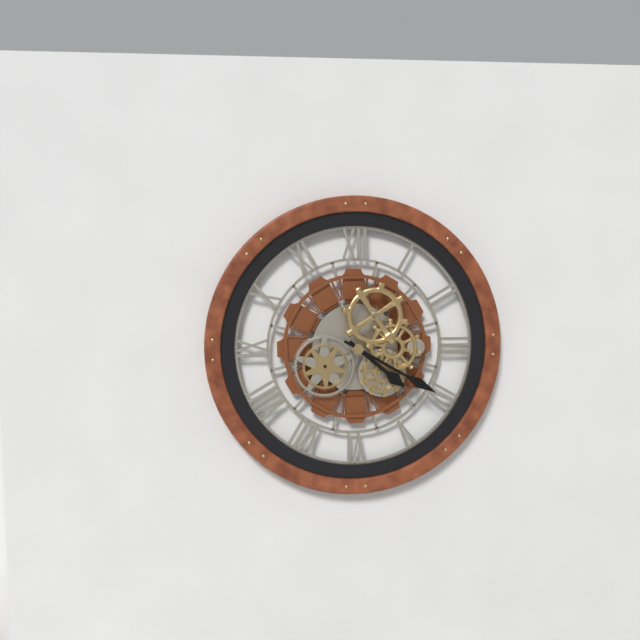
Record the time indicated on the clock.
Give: 4:20
